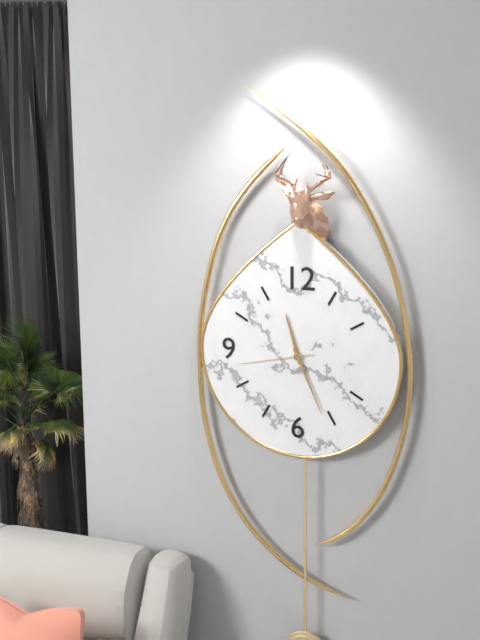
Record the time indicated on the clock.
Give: 11:26:43
